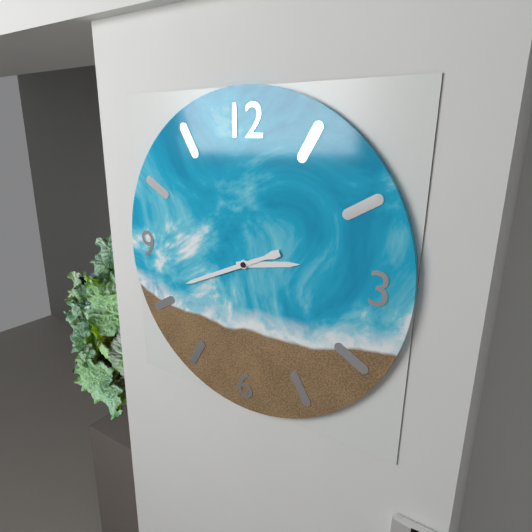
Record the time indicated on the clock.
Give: 2:41
